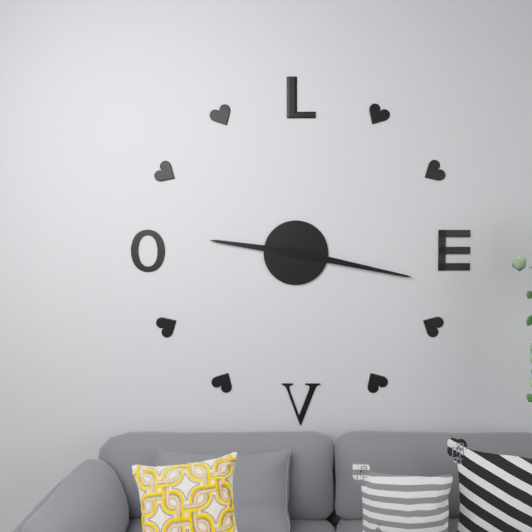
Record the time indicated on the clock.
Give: 9:17
